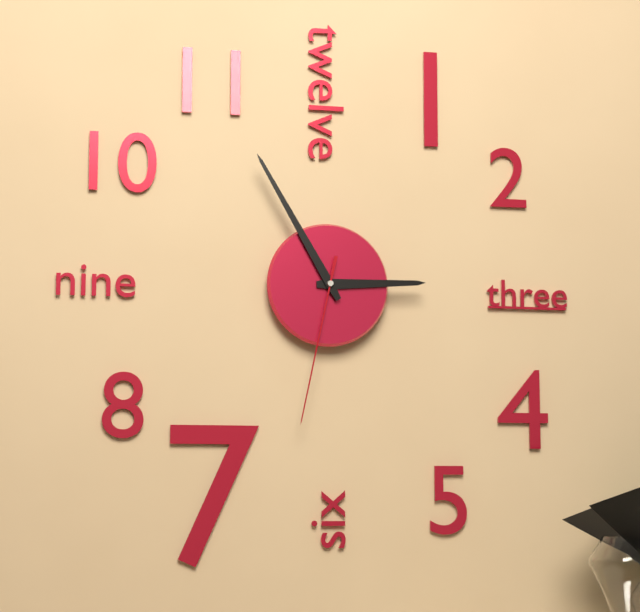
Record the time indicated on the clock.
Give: 2:55:32
